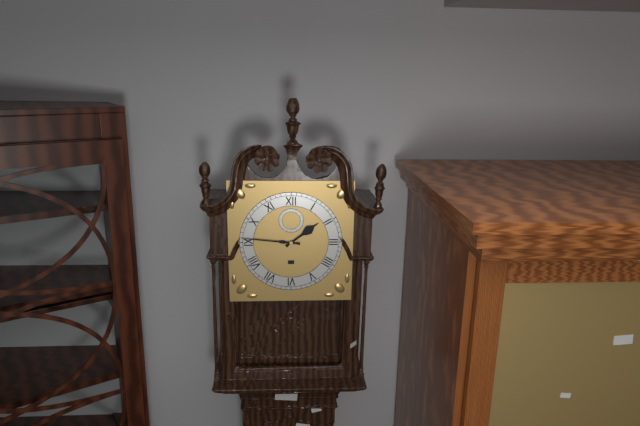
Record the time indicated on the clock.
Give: 1:46
